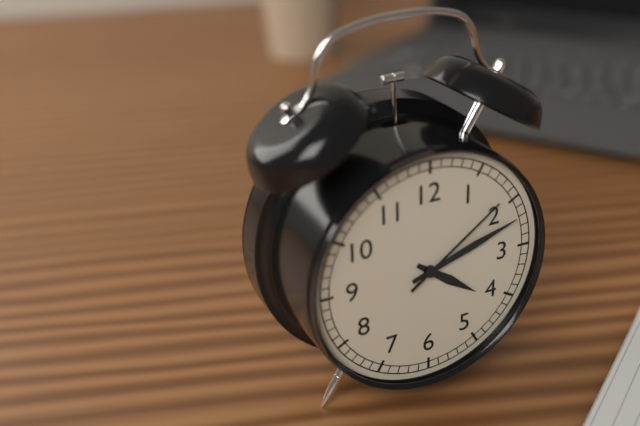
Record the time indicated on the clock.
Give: 4:12:09
